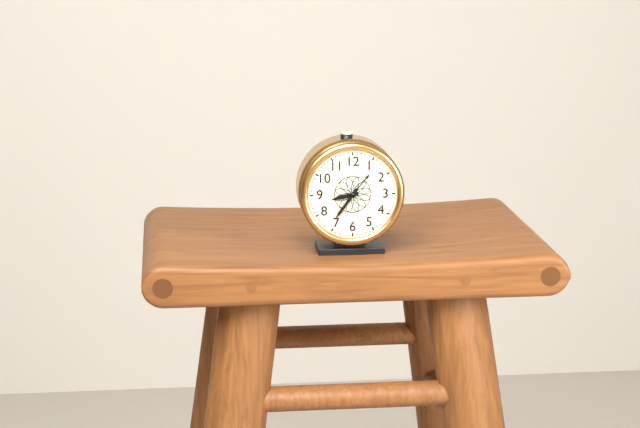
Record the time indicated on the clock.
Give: 8:36
